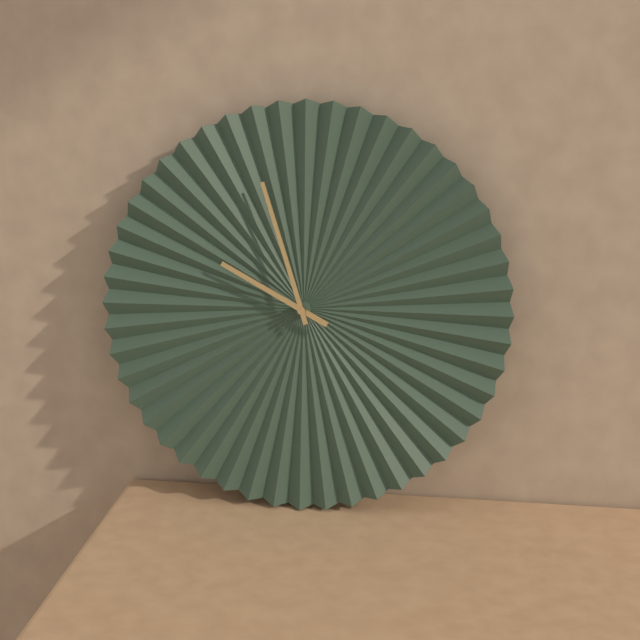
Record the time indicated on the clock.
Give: 9:57
